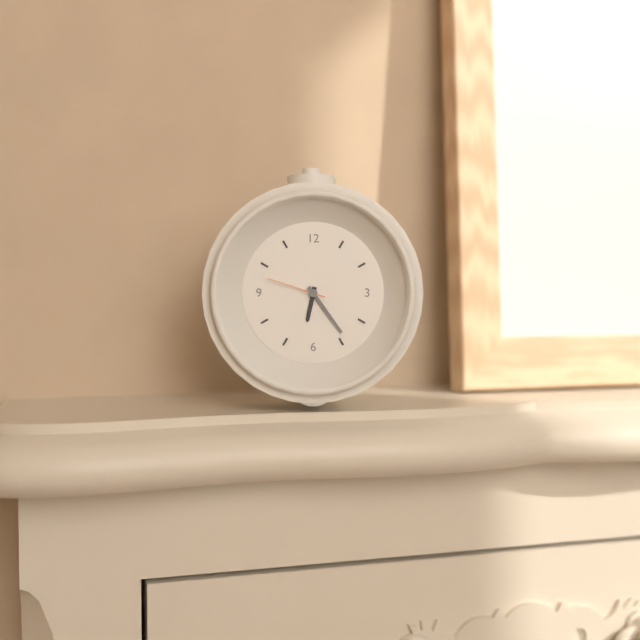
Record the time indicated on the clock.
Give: 6:24:48
